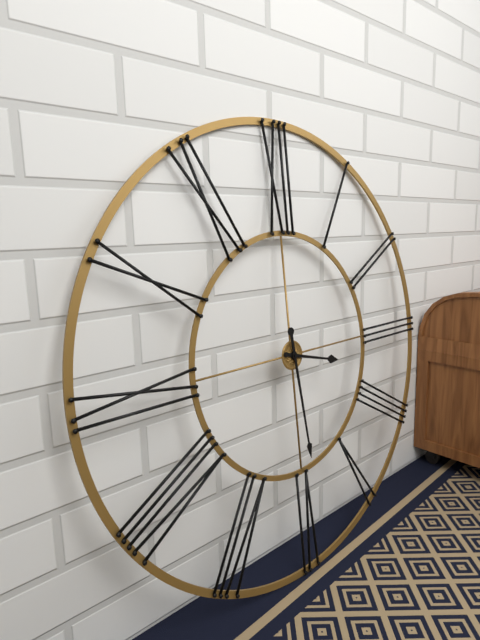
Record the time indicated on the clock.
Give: 3:29
